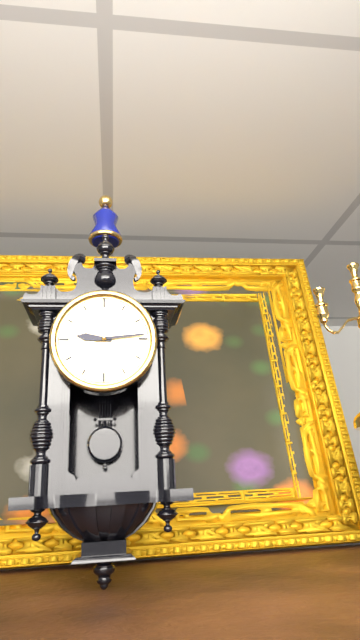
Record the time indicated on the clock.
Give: 9:14
